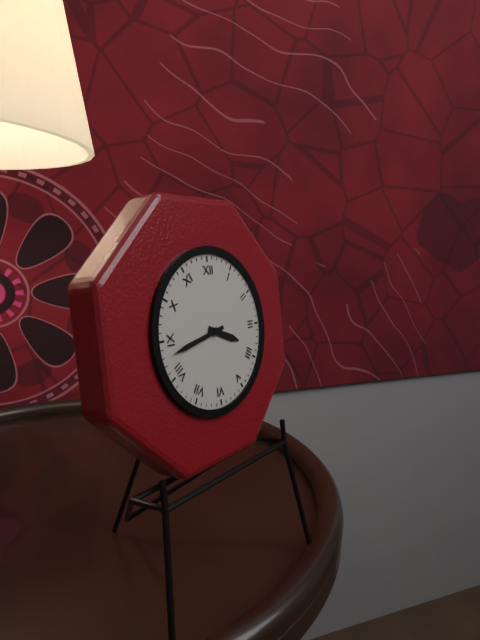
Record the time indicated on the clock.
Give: 3:43
